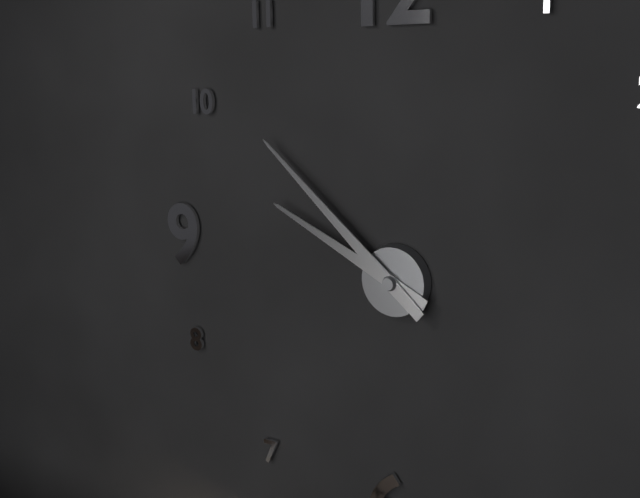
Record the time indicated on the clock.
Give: 9:52
